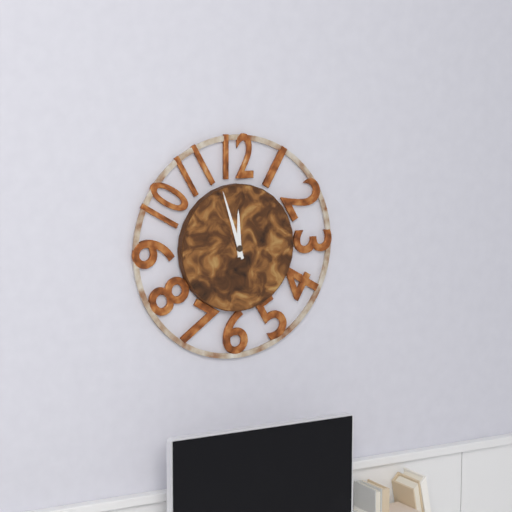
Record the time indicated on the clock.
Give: 11:57
